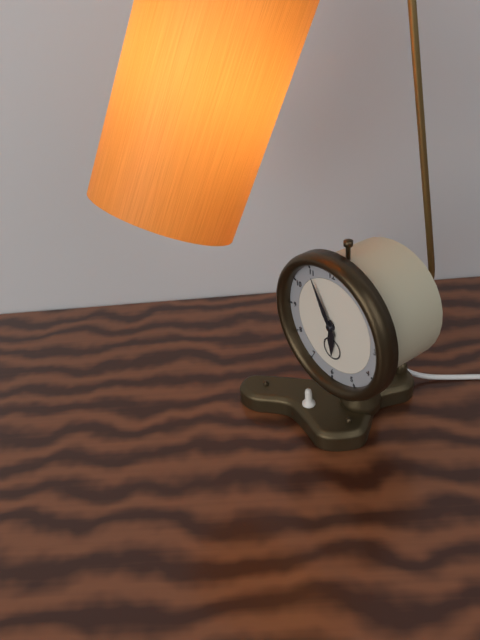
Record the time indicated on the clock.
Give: 5:55
